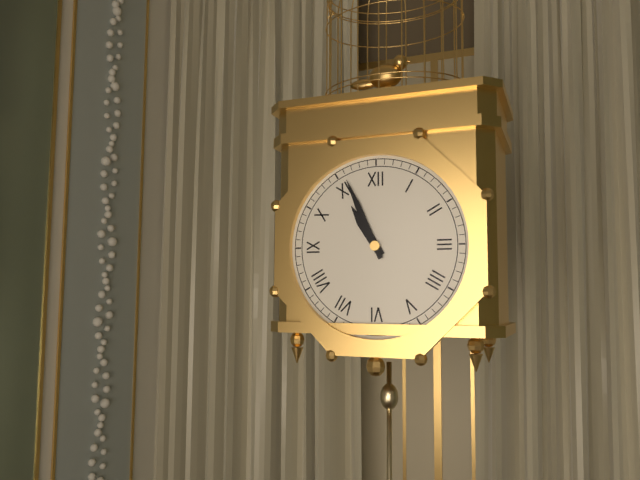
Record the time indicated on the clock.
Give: 10:56
